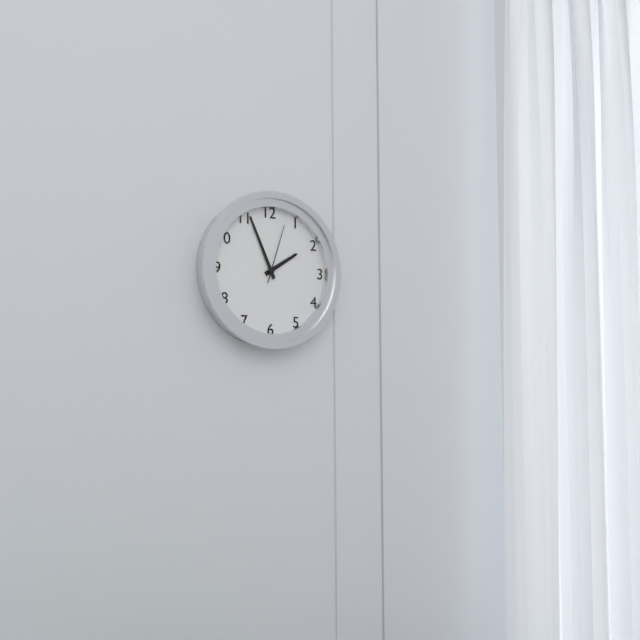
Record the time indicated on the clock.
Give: 1:56:03
